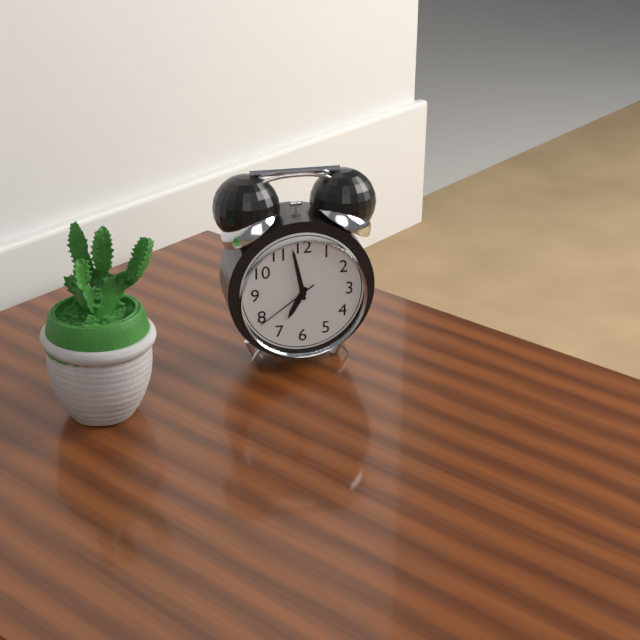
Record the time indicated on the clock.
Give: 6:58:39
